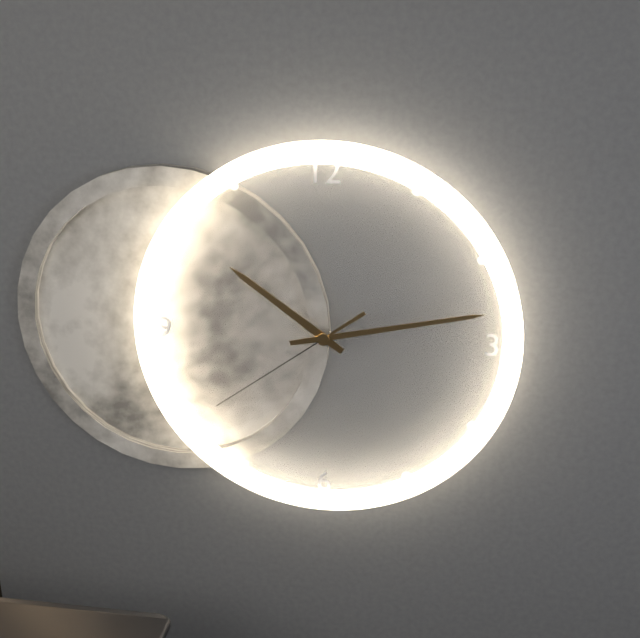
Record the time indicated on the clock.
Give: 10:13:39
